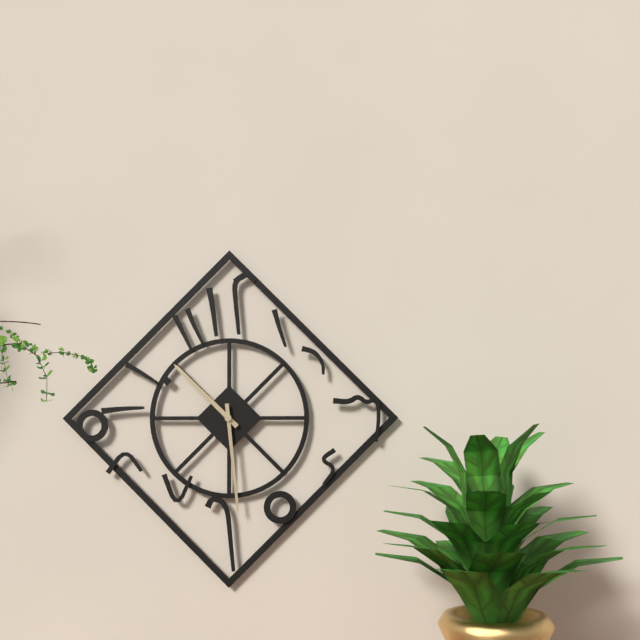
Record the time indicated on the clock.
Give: 10:29
